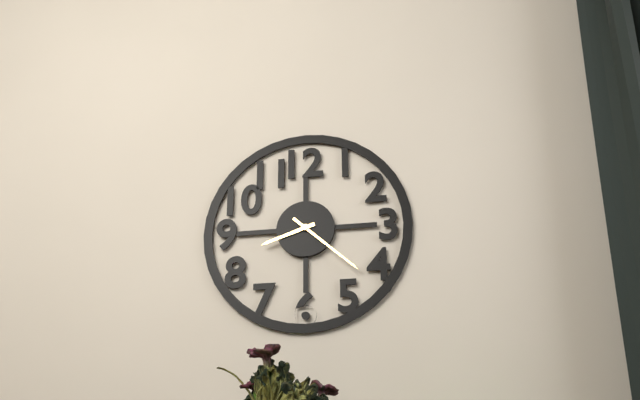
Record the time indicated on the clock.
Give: 8:22
